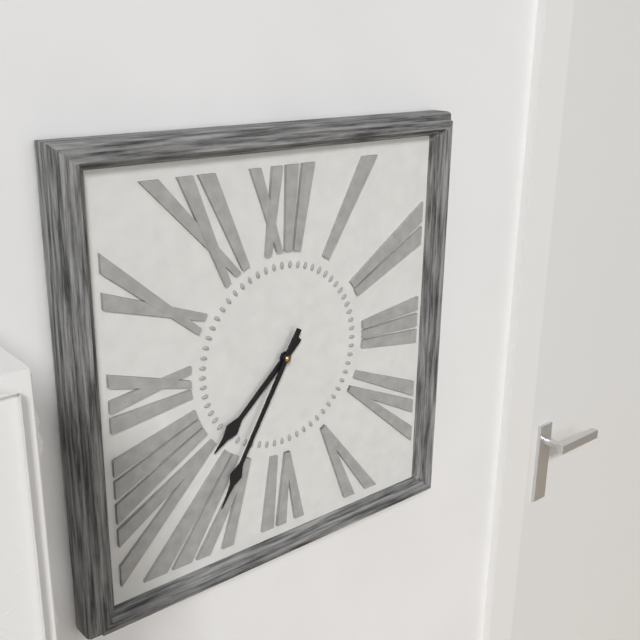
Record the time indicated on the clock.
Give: 7:35
